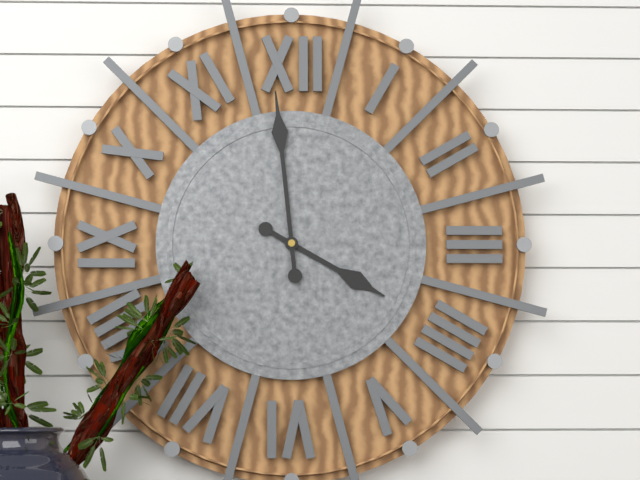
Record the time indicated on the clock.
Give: 3:59
